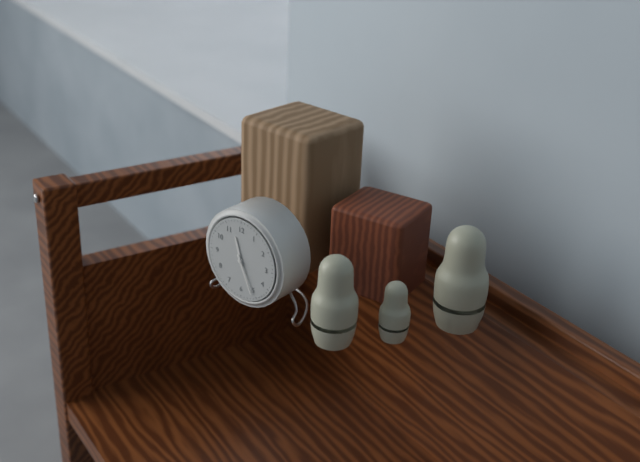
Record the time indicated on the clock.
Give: 11:26
